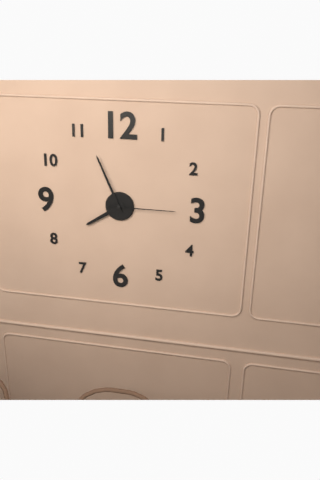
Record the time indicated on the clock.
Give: 7:56:15
